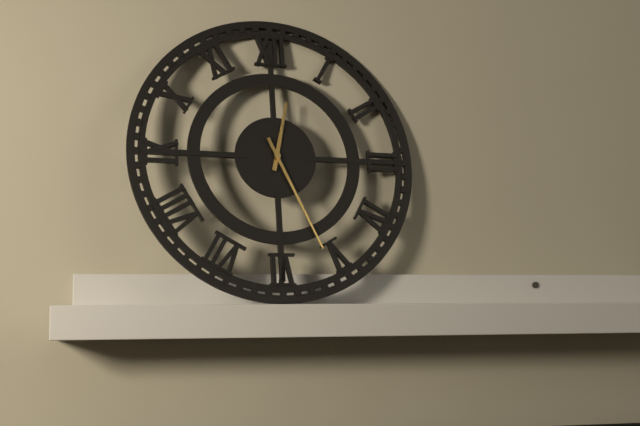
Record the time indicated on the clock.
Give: 12:26
